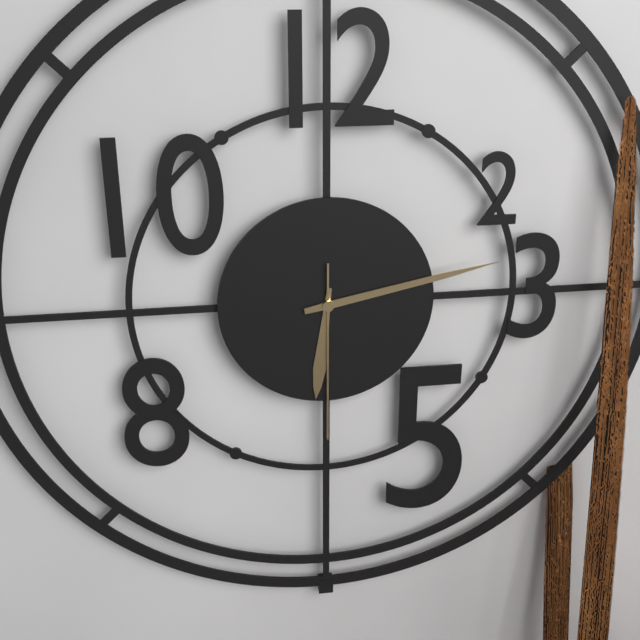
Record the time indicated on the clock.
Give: 6:13:30
